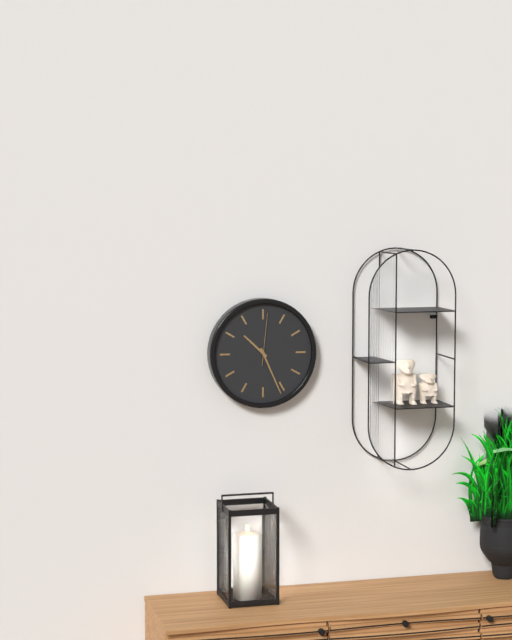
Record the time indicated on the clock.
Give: 10:26
